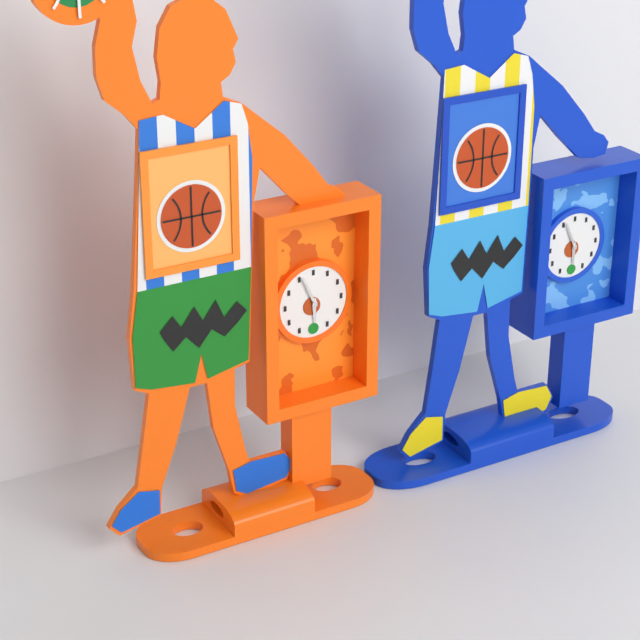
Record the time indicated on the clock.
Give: 5:56
